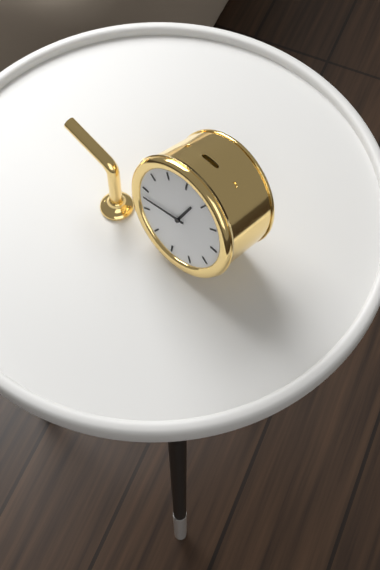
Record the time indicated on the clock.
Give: 12:43
